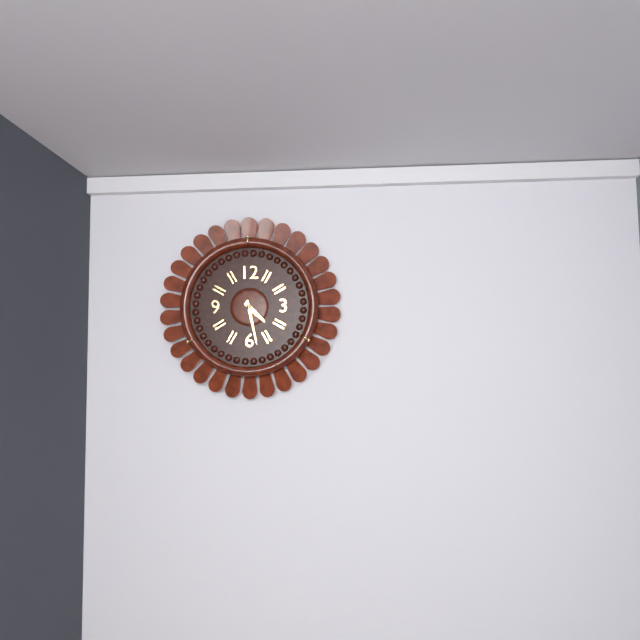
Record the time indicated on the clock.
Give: 4:28
